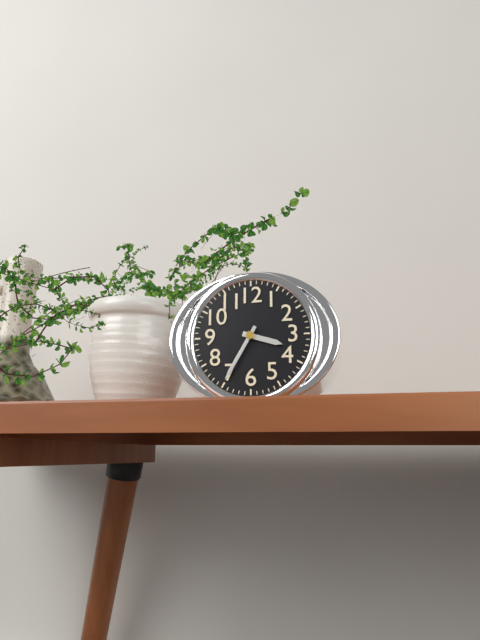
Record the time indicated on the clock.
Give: 3:35
